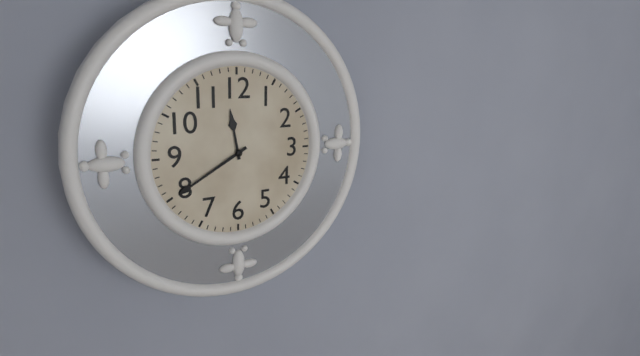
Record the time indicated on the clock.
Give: 11:40
